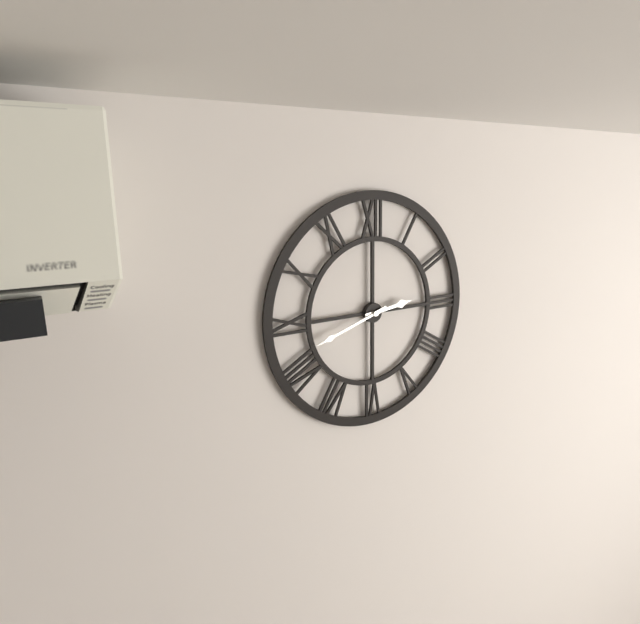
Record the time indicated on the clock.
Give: 2:42
